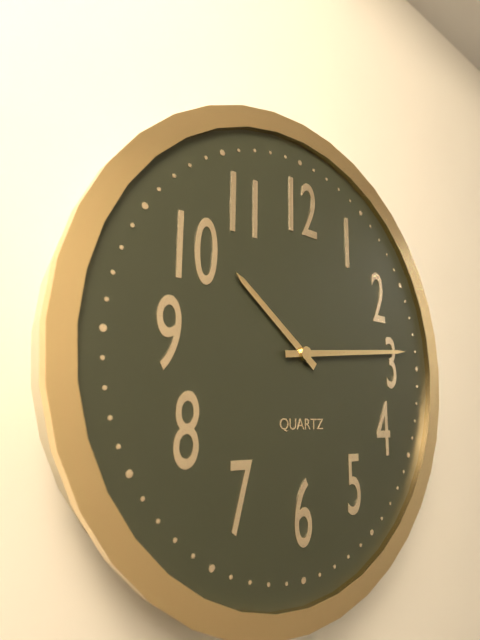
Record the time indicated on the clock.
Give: 10:14
